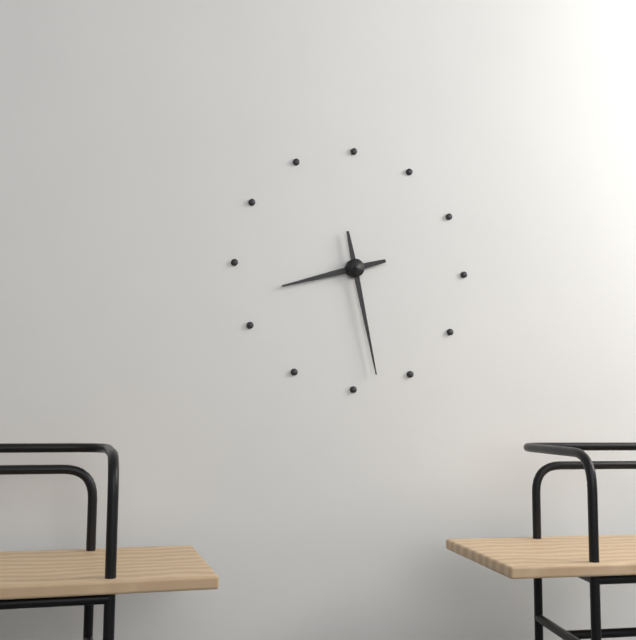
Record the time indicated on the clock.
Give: 8:28
